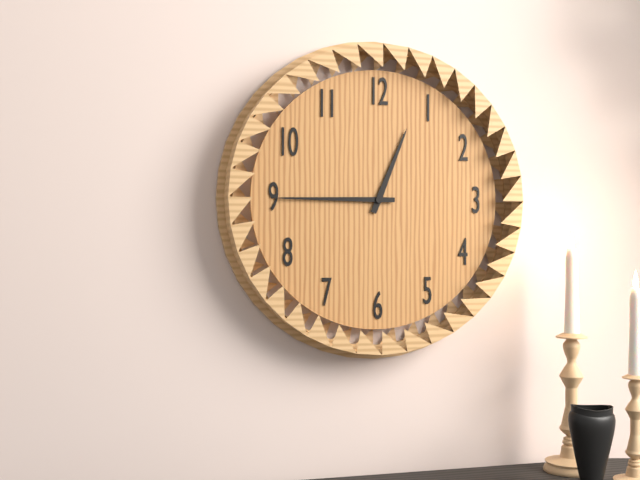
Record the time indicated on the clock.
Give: 12:45
